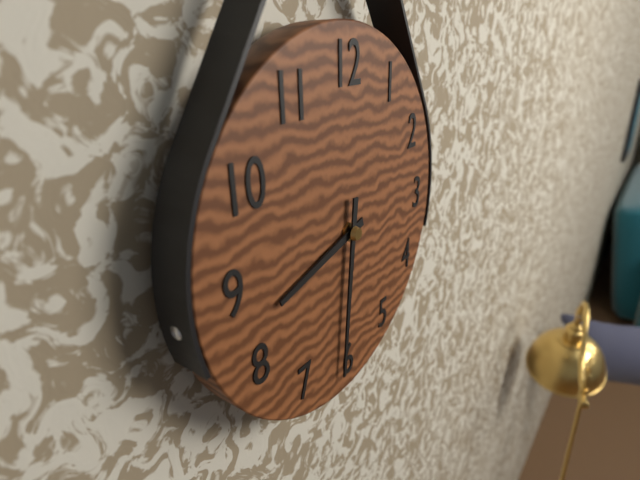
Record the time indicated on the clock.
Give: 8:31
